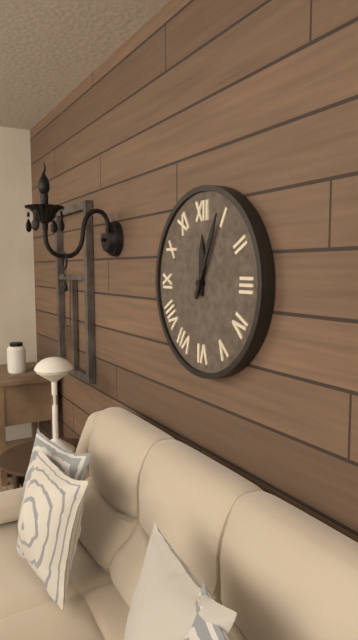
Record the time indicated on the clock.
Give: 12:04
